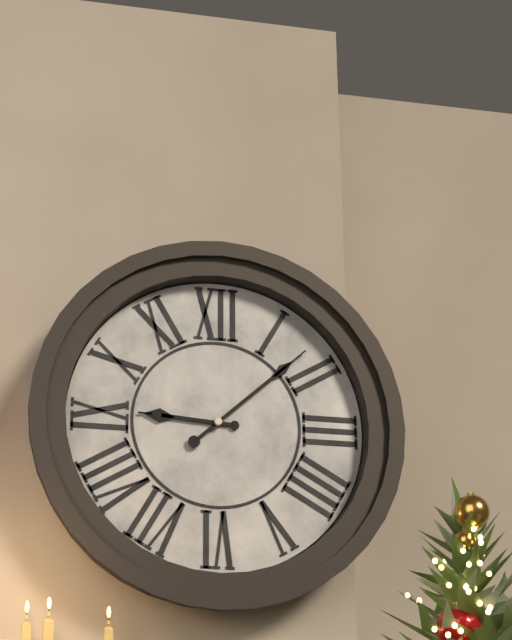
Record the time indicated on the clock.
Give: 9:08
